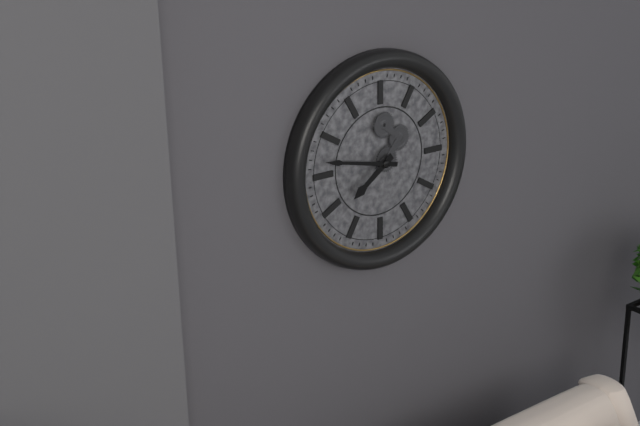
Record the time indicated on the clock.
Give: 7:47
